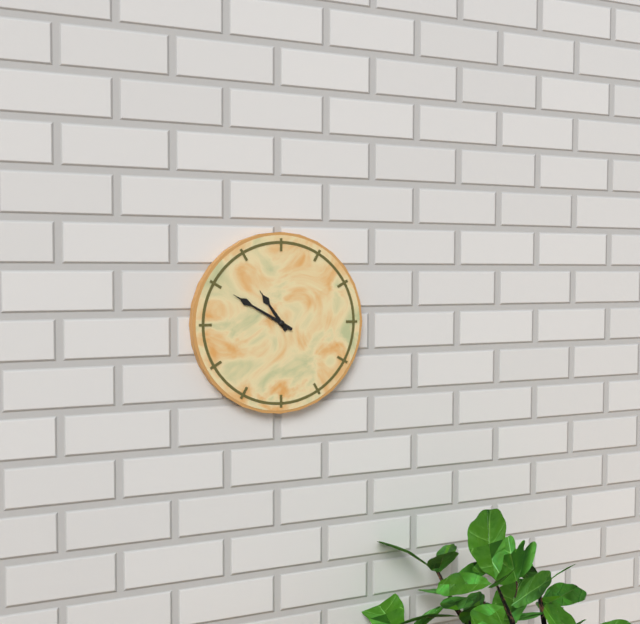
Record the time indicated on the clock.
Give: 10:50
